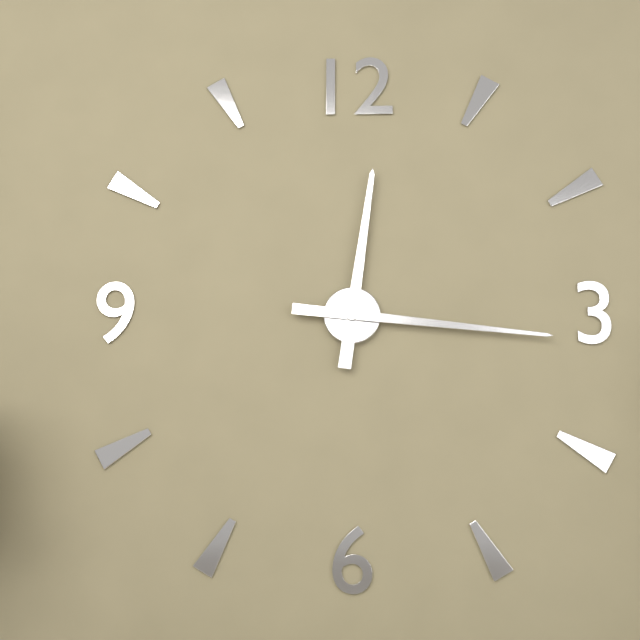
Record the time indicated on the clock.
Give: 12:16
